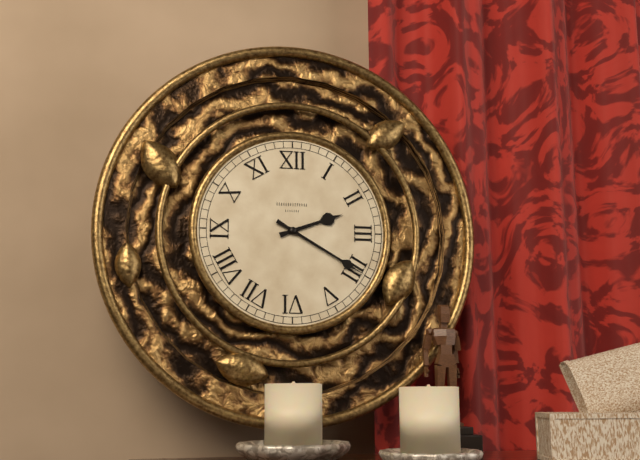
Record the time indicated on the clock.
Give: 2:20
